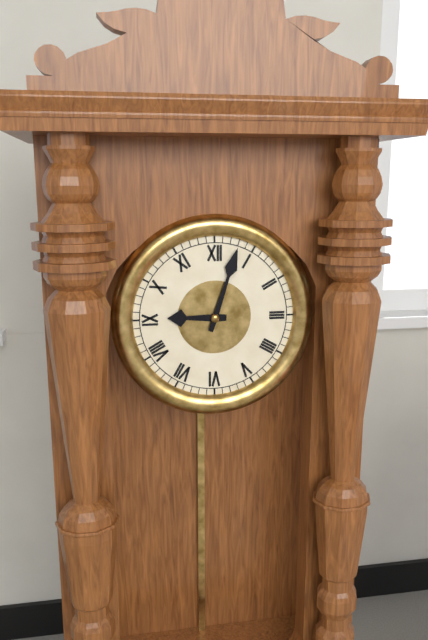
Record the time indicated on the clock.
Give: 9:03
